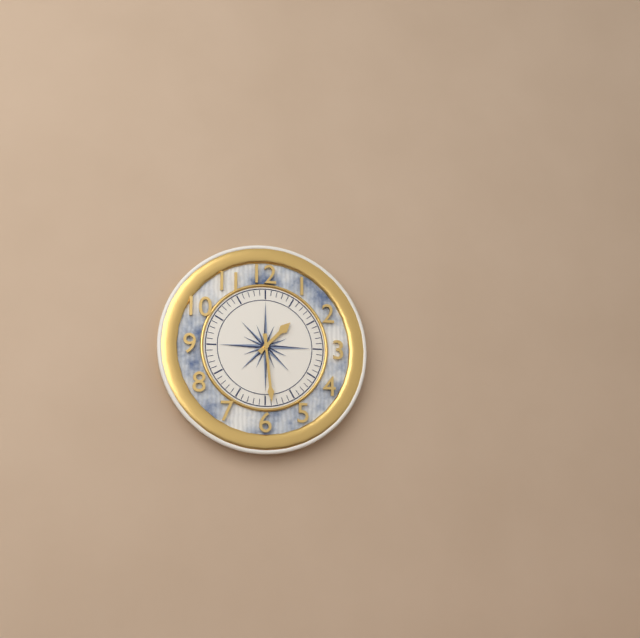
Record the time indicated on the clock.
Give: 1:29
